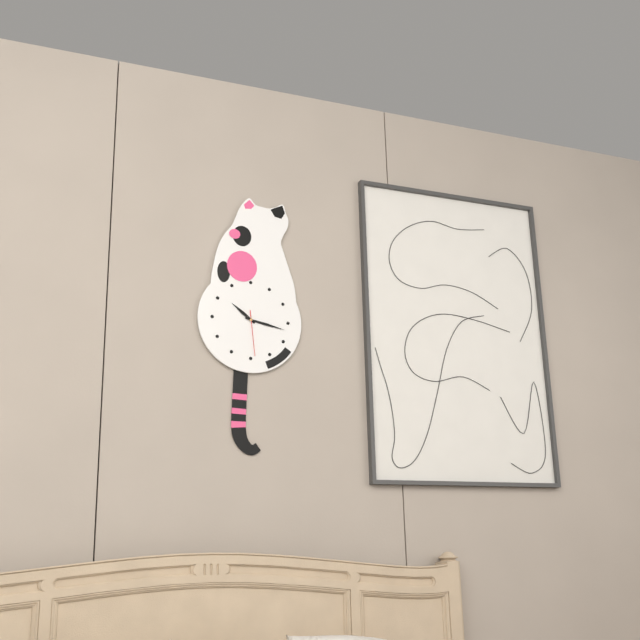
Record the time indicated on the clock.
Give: 10:17
